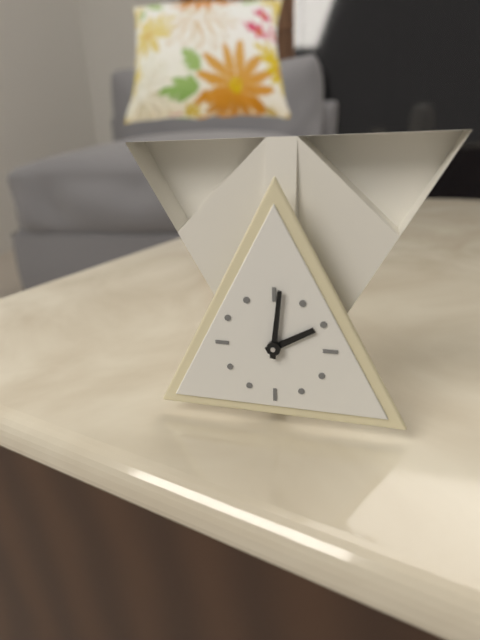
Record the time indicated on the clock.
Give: 2:01
